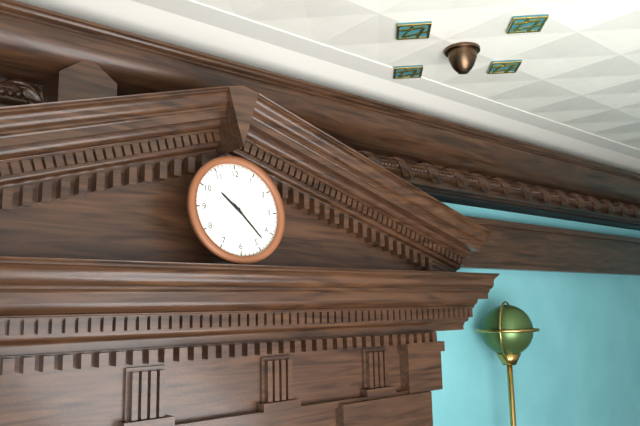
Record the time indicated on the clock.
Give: 10:23
